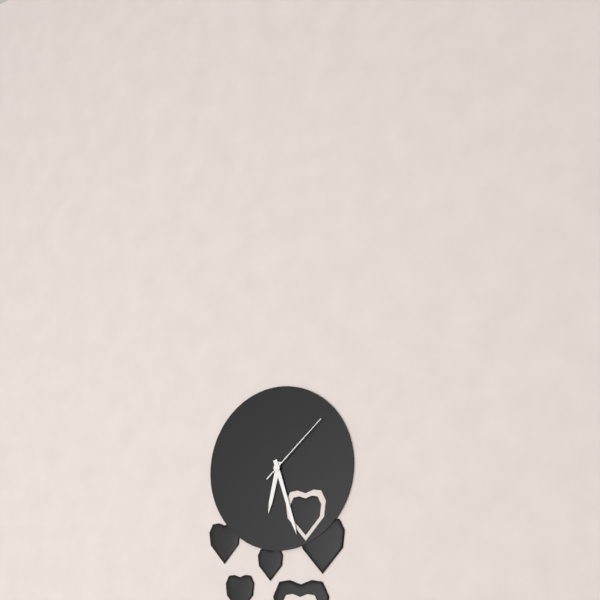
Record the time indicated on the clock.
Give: 6:27:08
